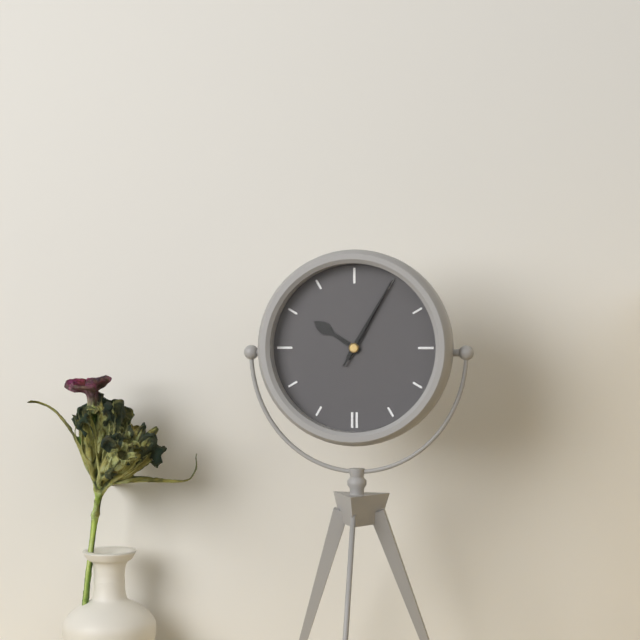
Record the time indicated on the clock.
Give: 10:05:05
